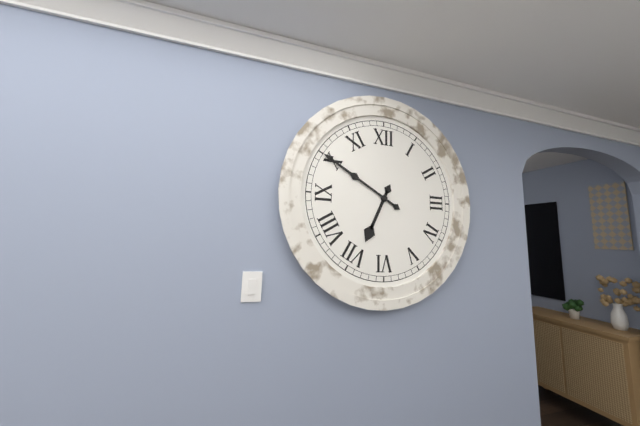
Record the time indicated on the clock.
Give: 6:50
